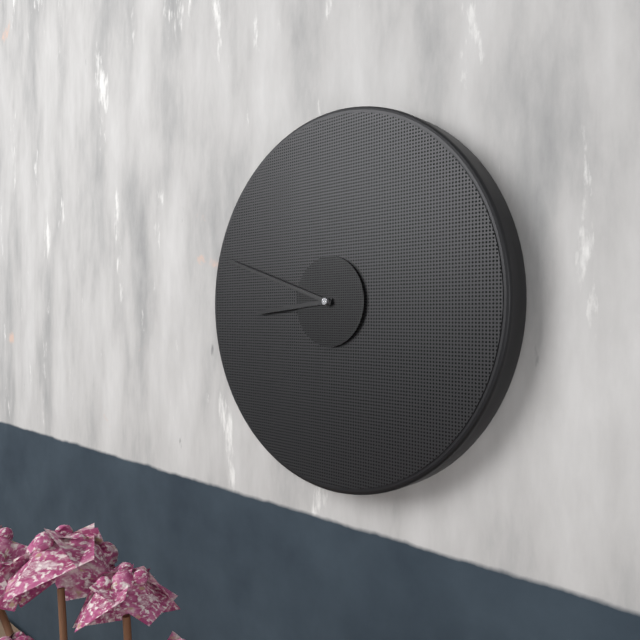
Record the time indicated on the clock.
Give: 8:48
